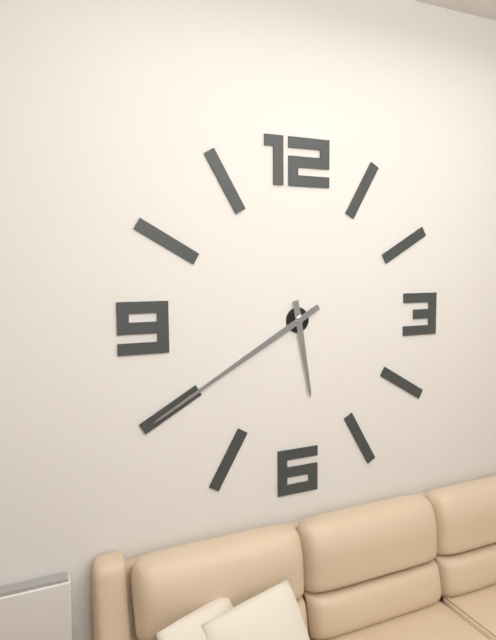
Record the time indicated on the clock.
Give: 5:40
